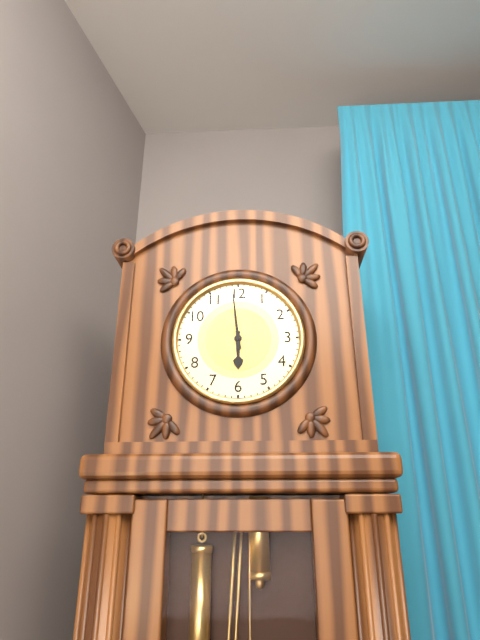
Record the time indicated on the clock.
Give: 5:59
